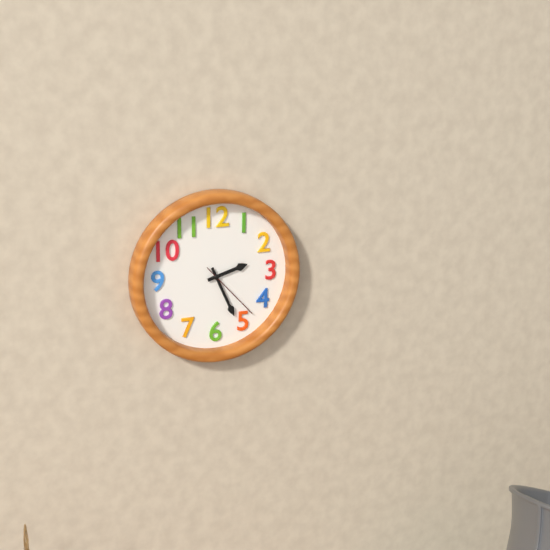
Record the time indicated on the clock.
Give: 2:26:23
